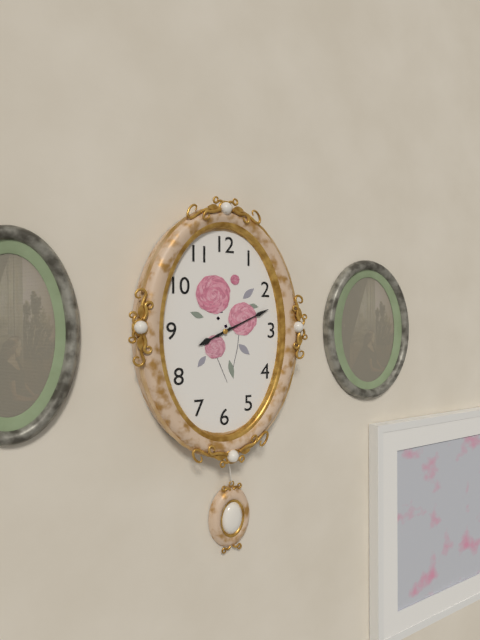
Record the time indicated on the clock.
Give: 8:11
